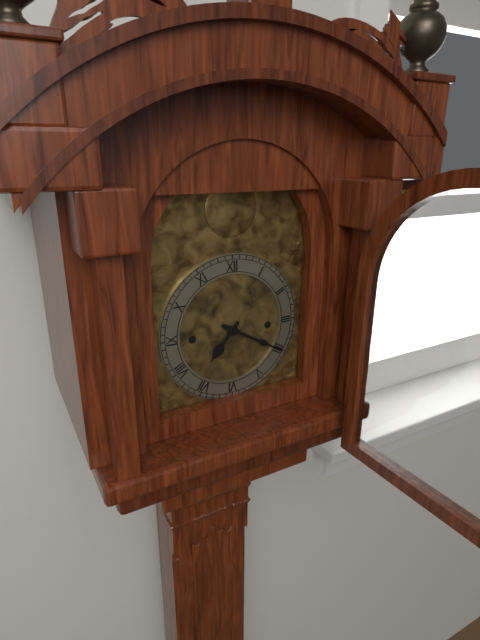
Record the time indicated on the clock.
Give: 7:20
